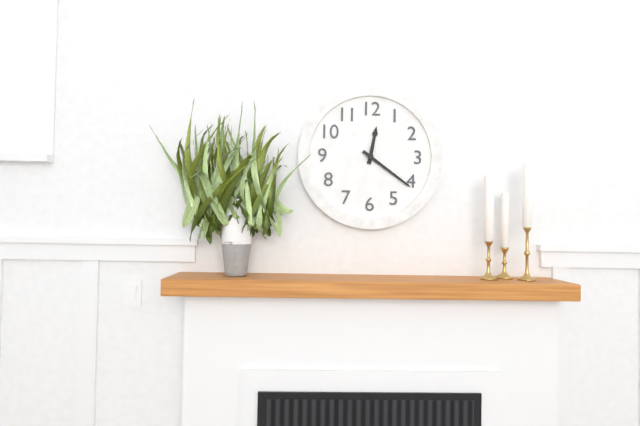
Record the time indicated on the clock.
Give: 12:21
